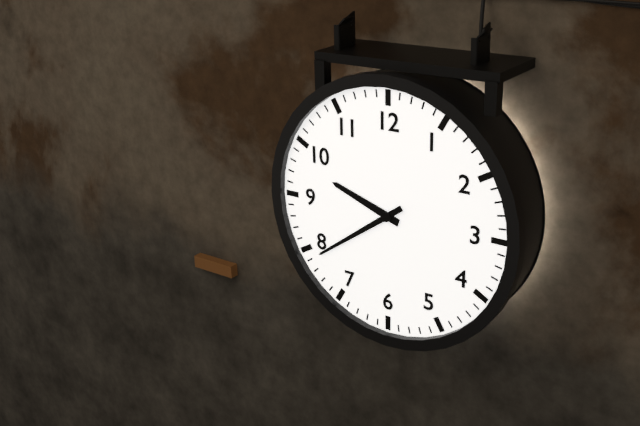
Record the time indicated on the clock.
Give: 9:39
